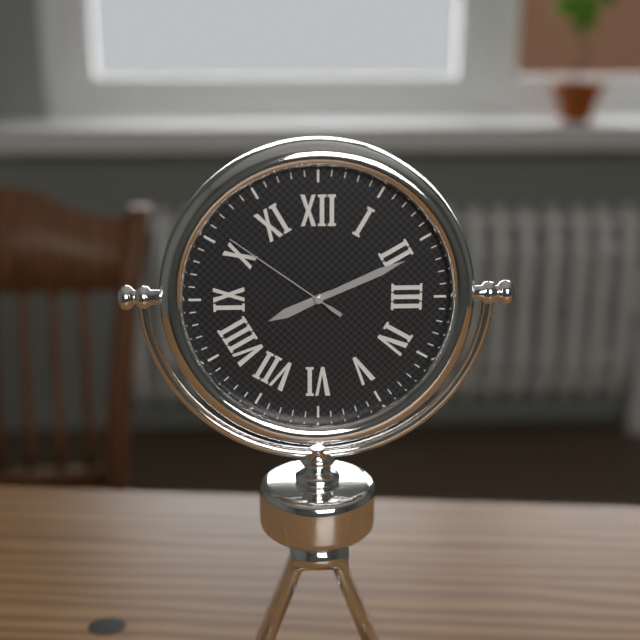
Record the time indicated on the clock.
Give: 8:11:51
